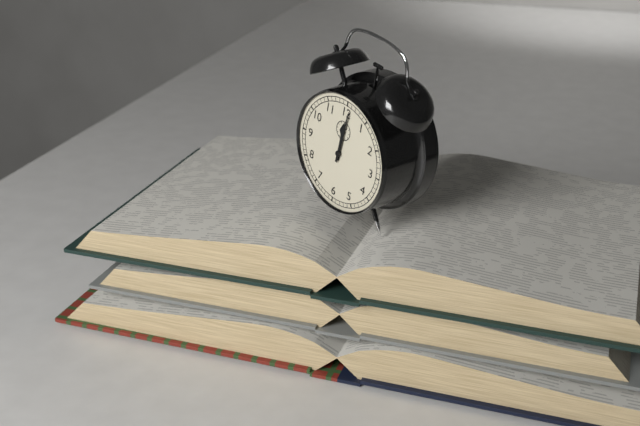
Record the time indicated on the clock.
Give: 12:01
